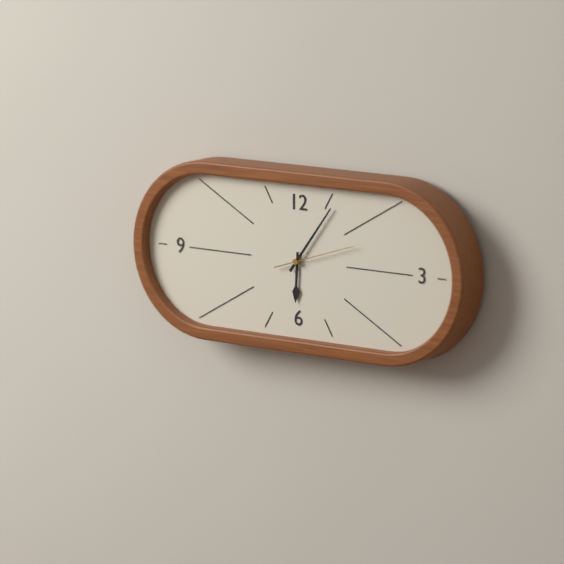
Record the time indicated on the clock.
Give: 6:06:12
